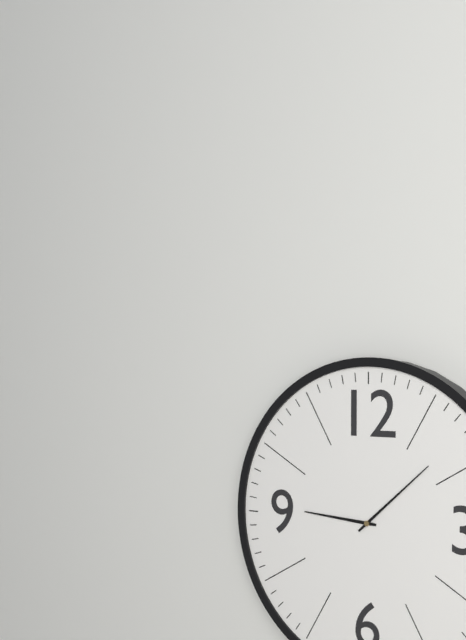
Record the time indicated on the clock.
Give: 9:08
